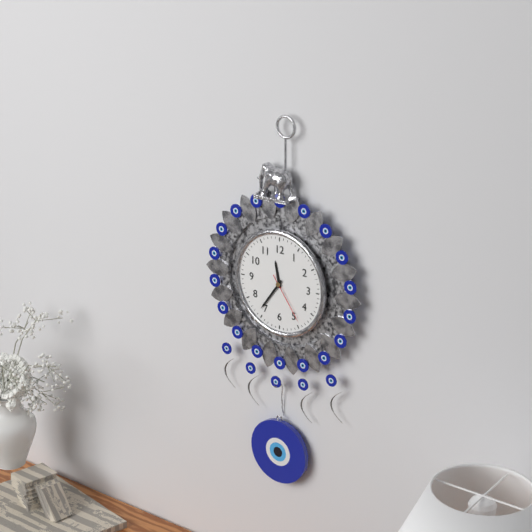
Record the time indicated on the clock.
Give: 11:36:24
